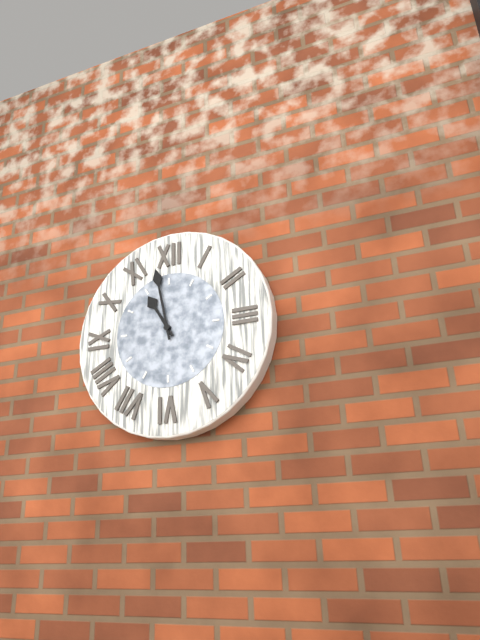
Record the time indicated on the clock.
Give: 10:58
